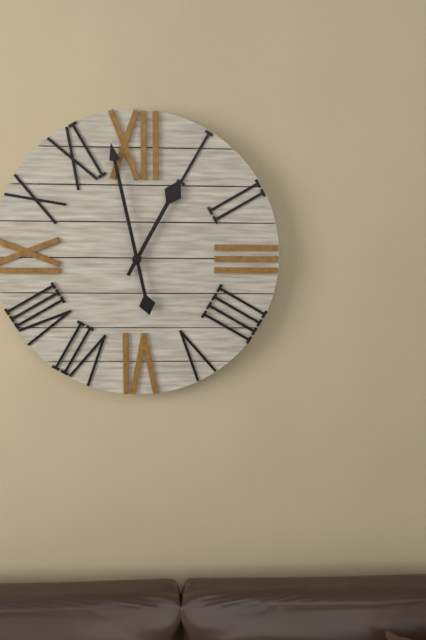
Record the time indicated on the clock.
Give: 12:58
